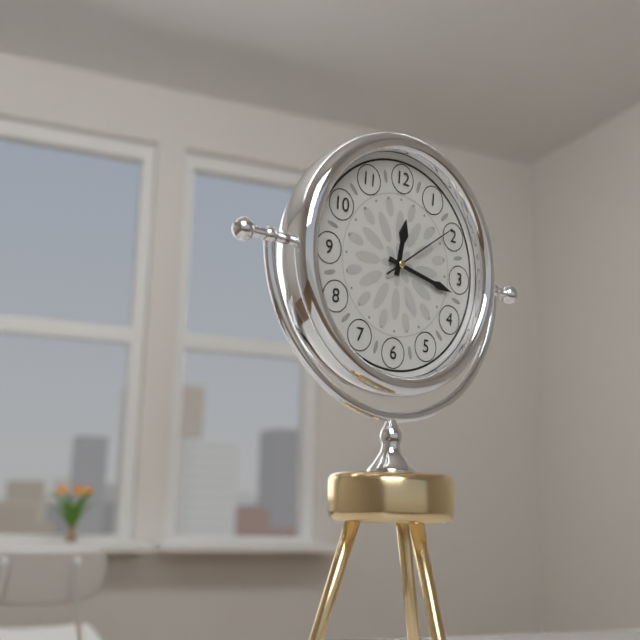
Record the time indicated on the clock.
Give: 12:17:09
